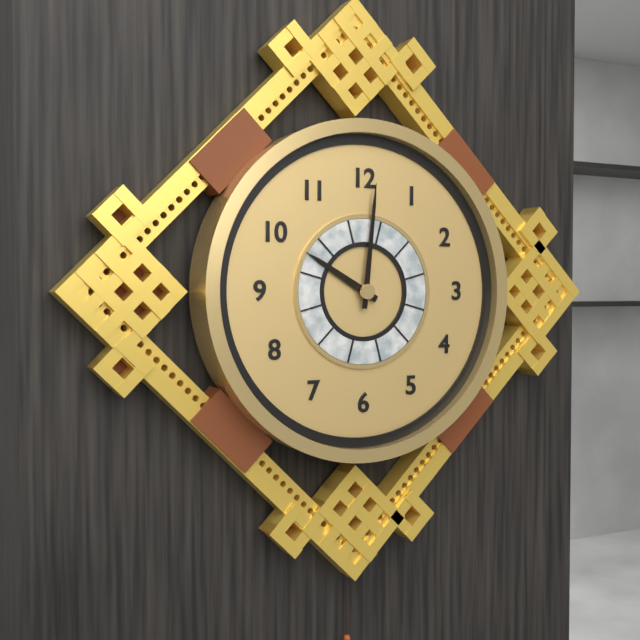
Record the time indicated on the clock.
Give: 10:01
